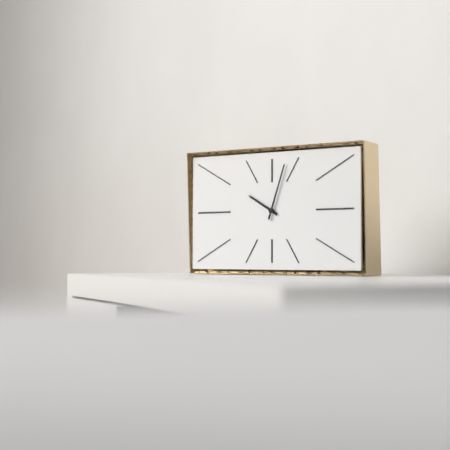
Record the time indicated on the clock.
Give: 10:03
